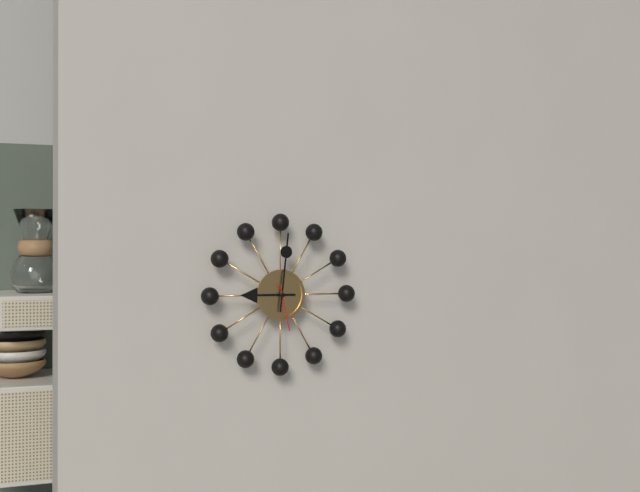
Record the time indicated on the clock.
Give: 9:01
